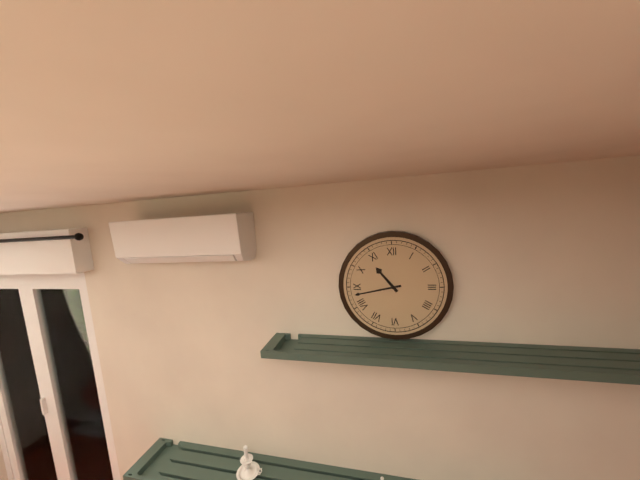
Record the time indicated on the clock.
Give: 10:43
